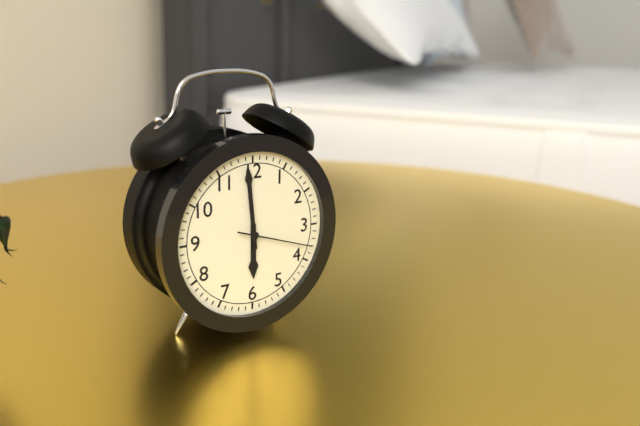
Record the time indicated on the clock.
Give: 5:59:18
